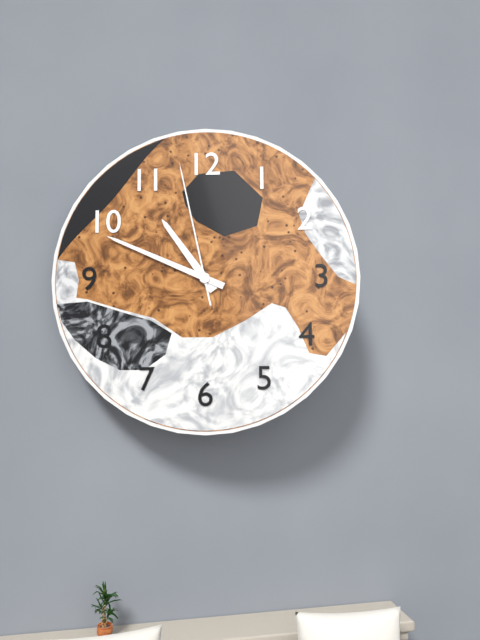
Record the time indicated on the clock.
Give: 10:49:58
